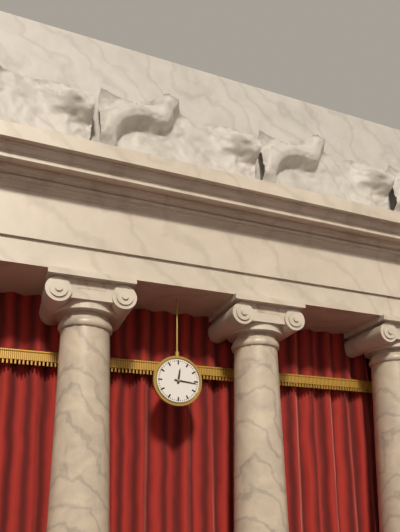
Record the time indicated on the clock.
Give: 12:16
